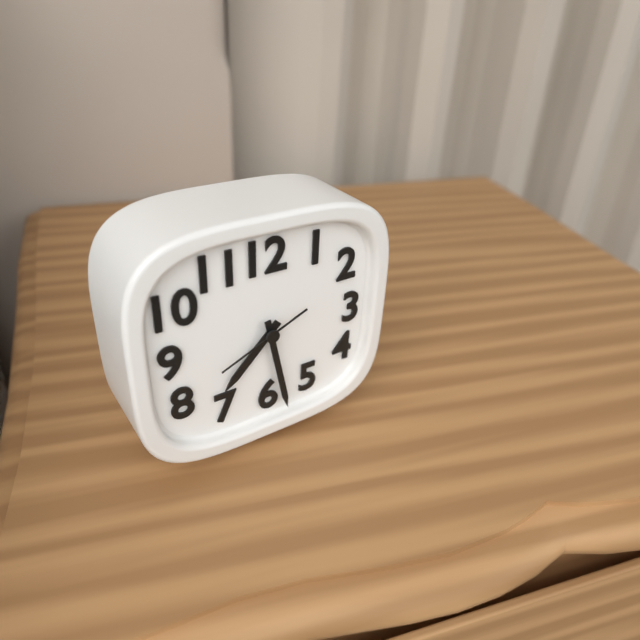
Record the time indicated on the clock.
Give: 7:28:41
